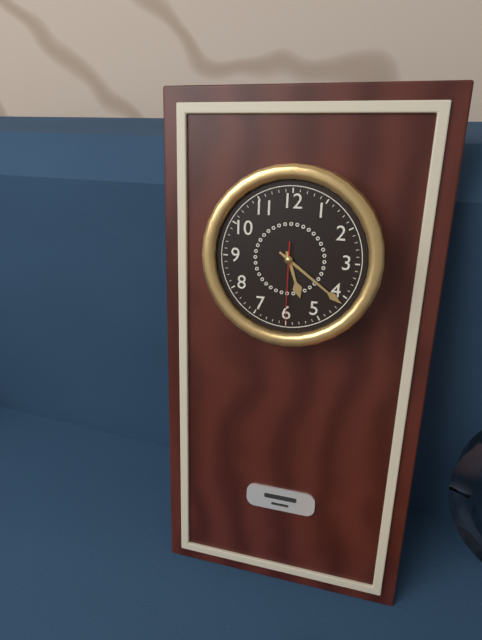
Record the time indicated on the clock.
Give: 5:21:30
